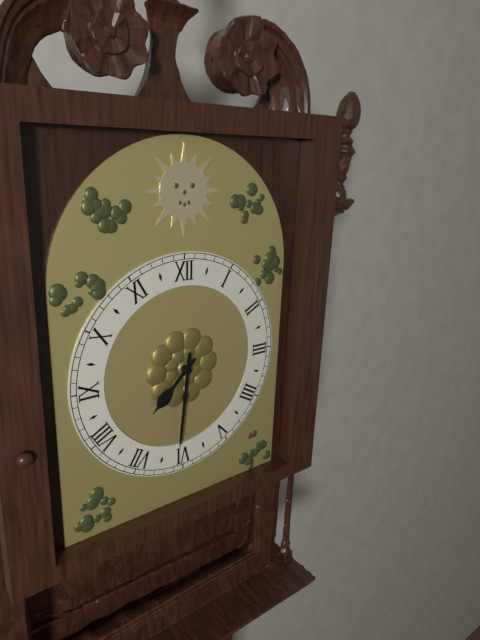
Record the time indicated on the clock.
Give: 7:31
